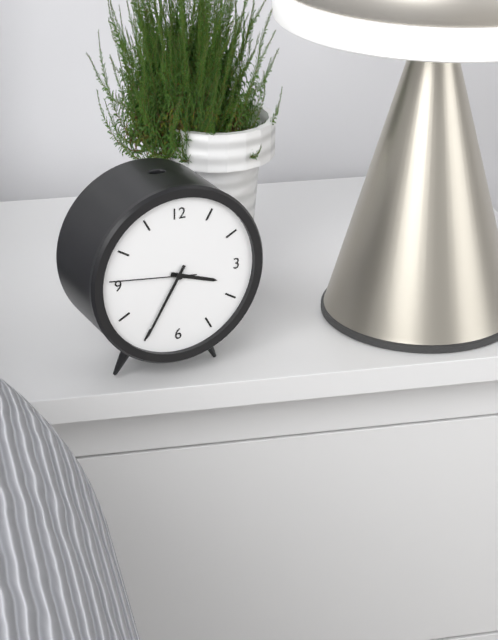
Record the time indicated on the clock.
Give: 3:35:46
